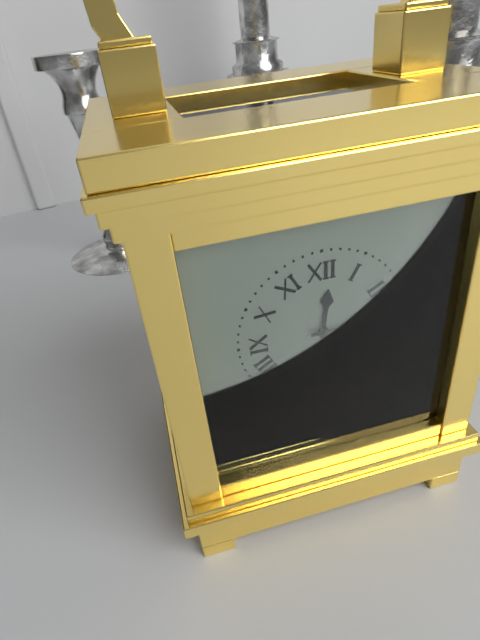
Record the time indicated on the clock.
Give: 12:15
